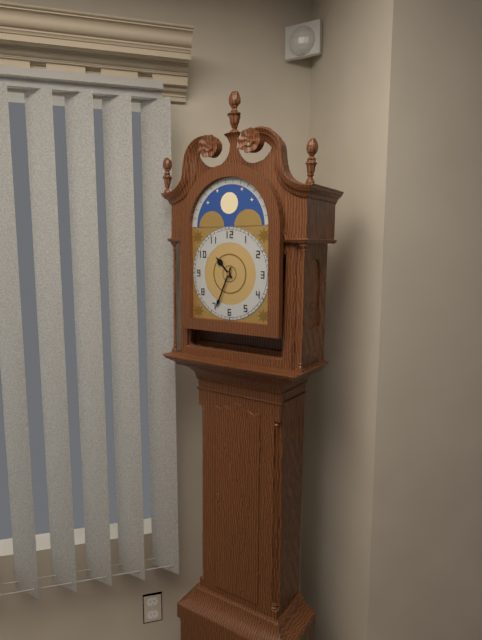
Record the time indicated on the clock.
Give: 10:34
